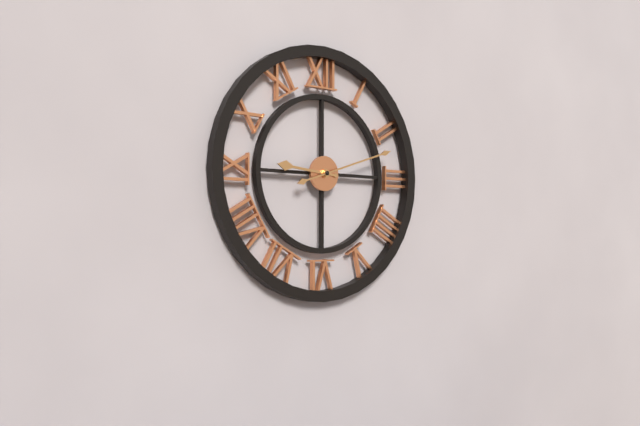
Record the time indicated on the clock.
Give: 9:12
